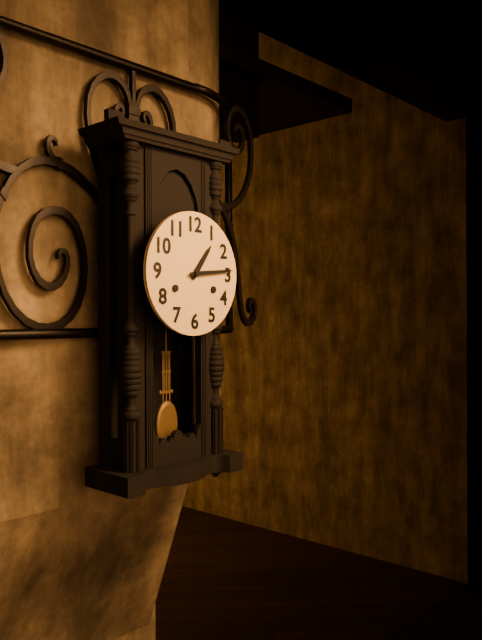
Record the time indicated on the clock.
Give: 1:14
